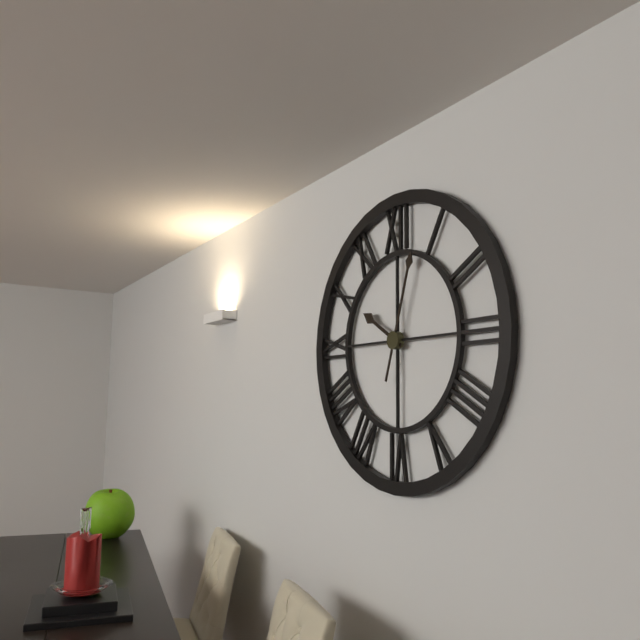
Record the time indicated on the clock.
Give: 10:03
